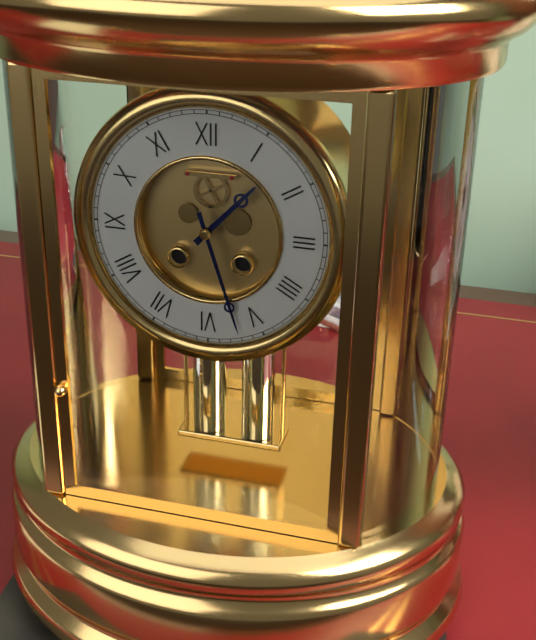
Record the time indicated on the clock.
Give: 1:27
